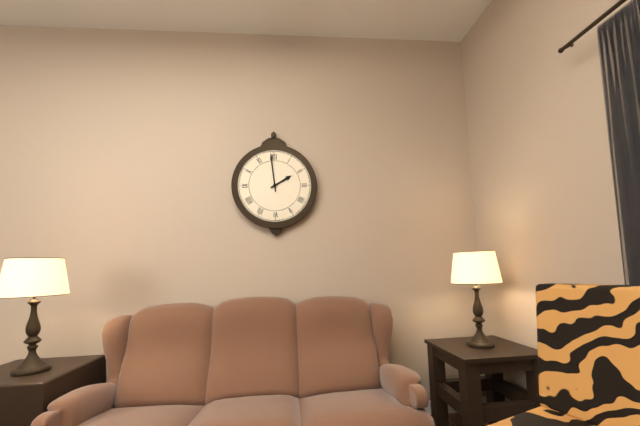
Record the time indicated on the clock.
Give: 1:59
